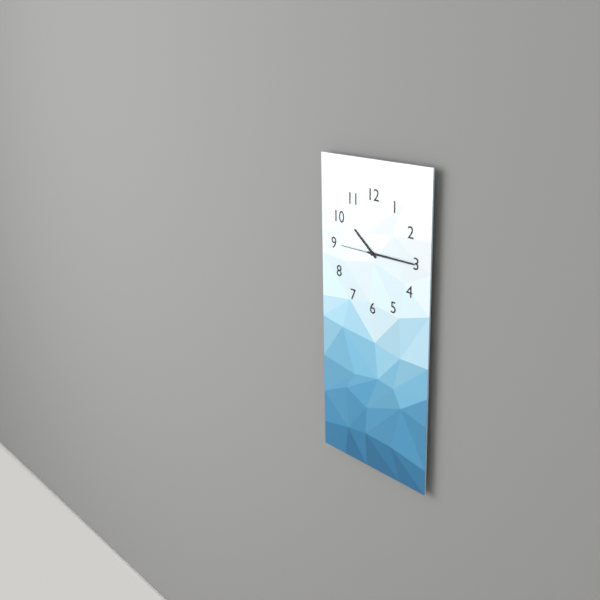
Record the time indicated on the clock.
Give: 10:15
